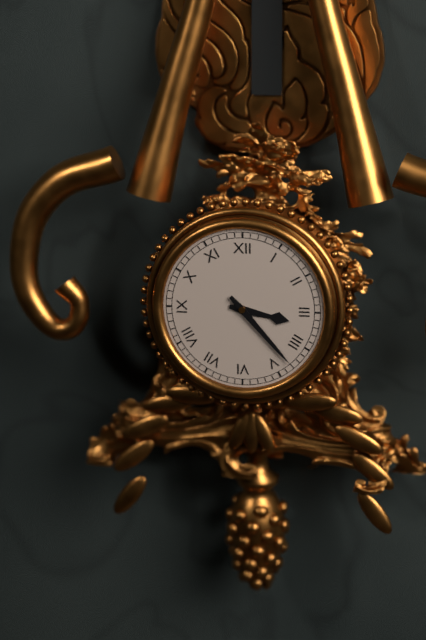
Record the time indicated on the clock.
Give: 3:23
